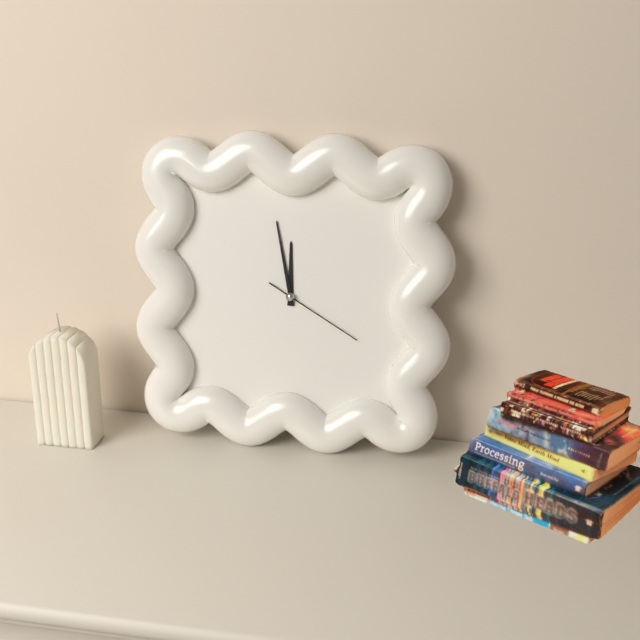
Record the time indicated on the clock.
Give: 11:58:20
